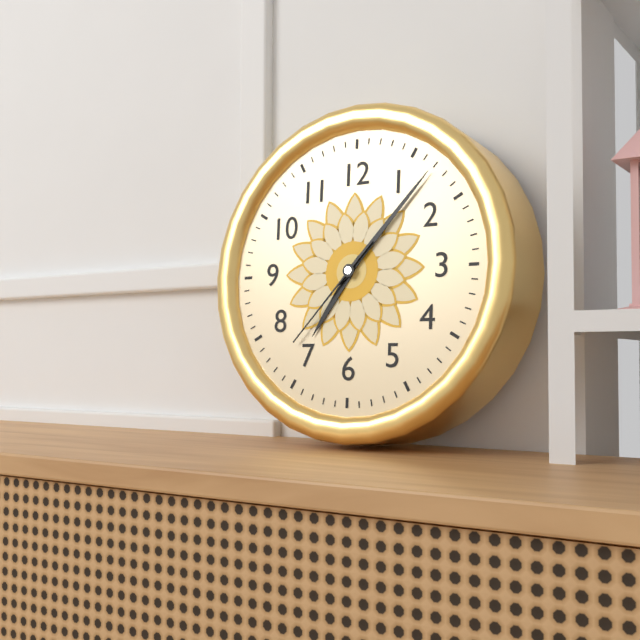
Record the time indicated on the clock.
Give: 7:07:37
